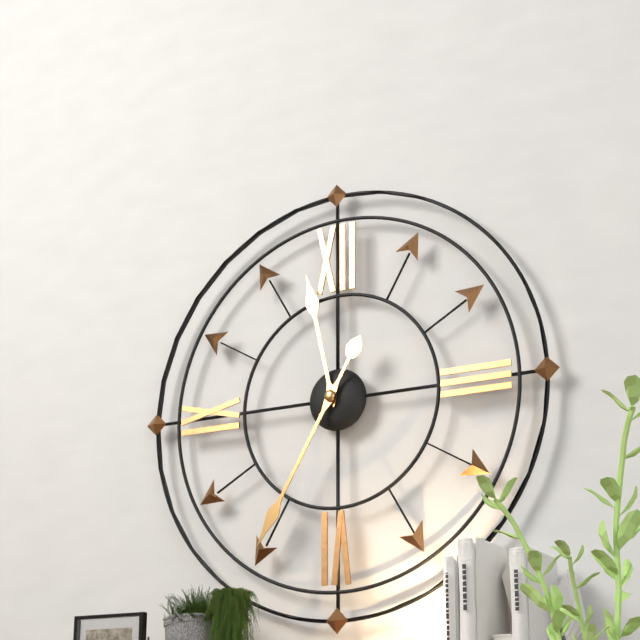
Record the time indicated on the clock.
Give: 11:35
